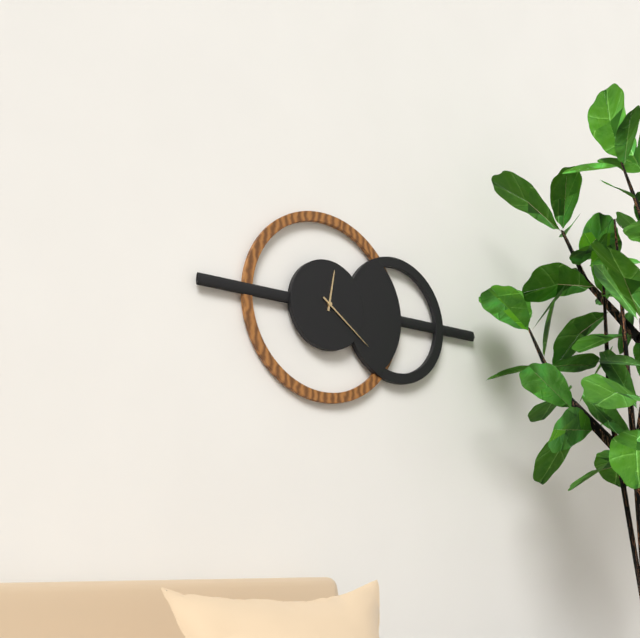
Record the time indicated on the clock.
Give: 12:21
